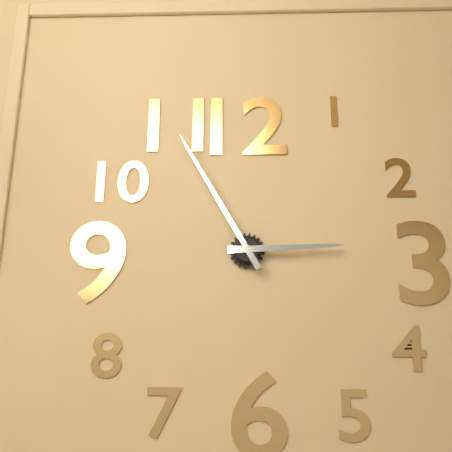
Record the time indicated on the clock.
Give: 2:55
